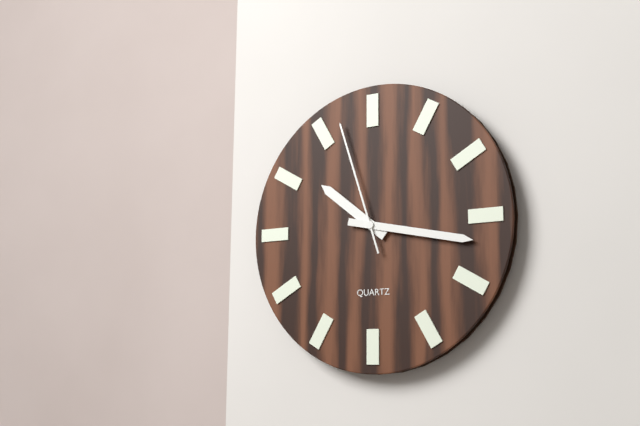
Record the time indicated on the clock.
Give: 10:17:57
